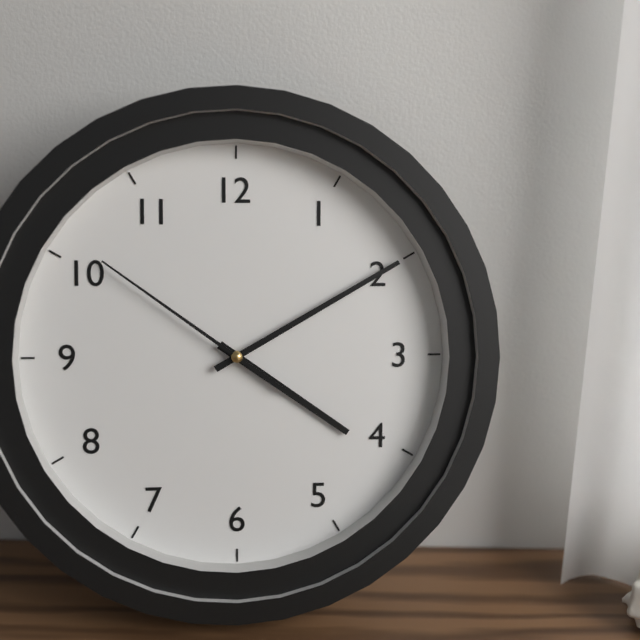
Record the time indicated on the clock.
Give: 4:10:51
